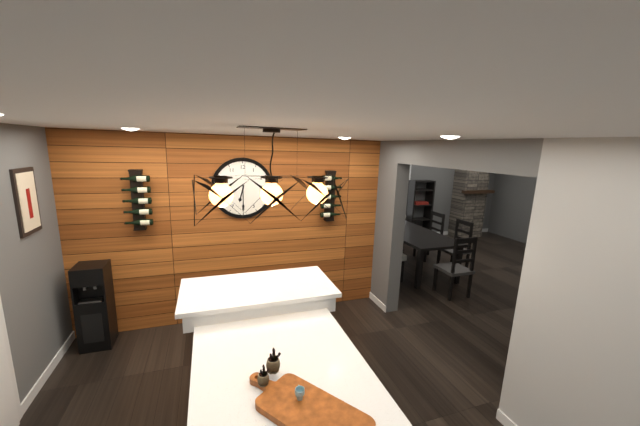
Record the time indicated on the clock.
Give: 6:30
